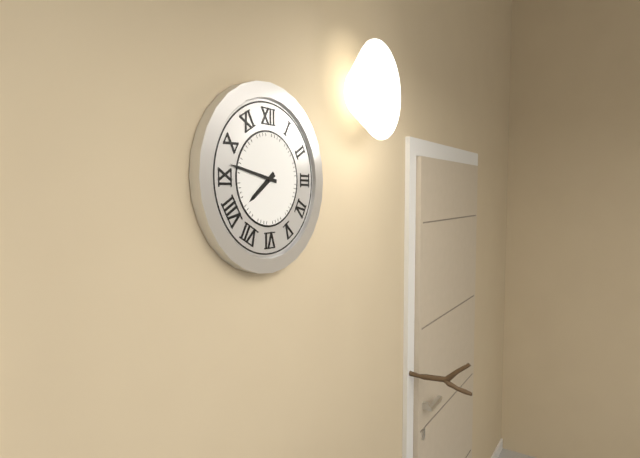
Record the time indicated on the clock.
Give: 7:47
